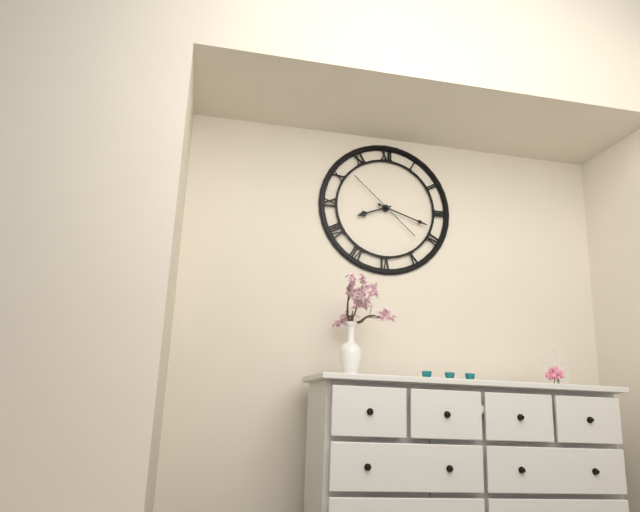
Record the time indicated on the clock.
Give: 8:18:52
